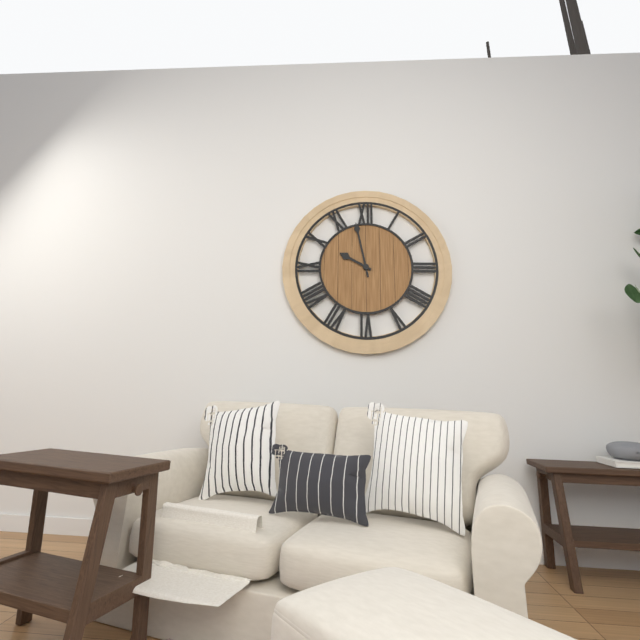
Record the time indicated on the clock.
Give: 9:58
